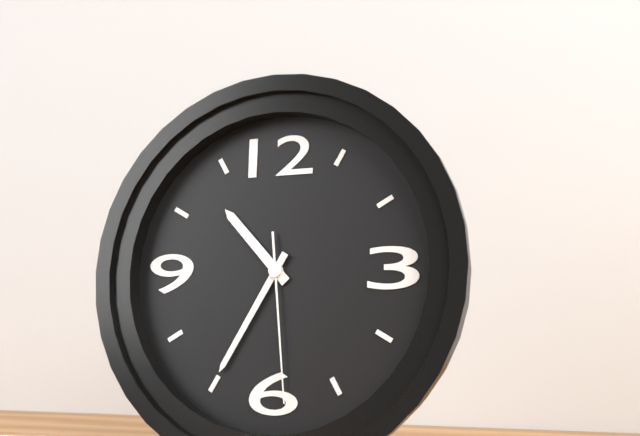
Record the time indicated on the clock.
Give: 10:35:29
